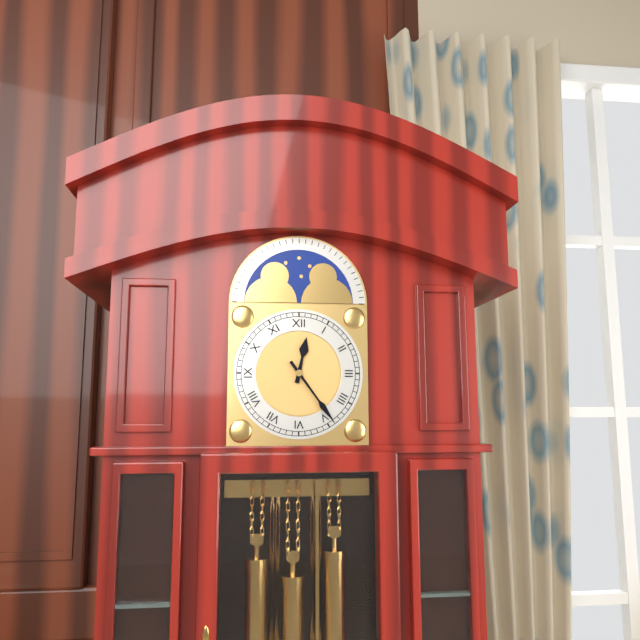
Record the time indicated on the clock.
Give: 12:24
